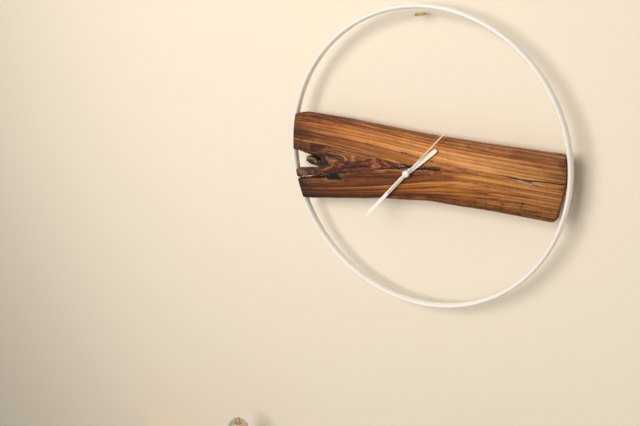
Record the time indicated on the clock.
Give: 1:37:07
